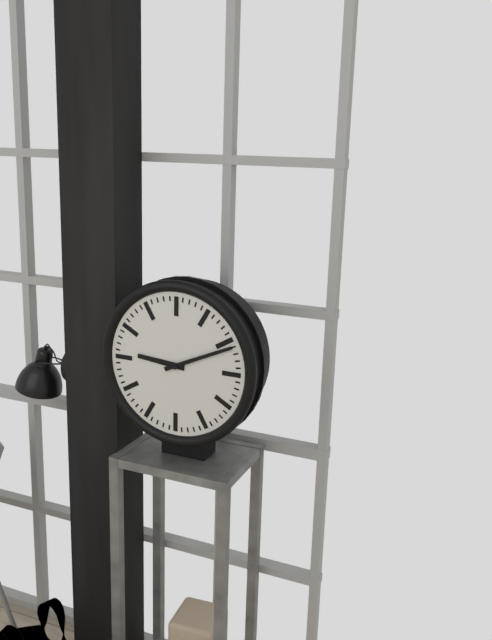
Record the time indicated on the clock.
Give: 9:11
